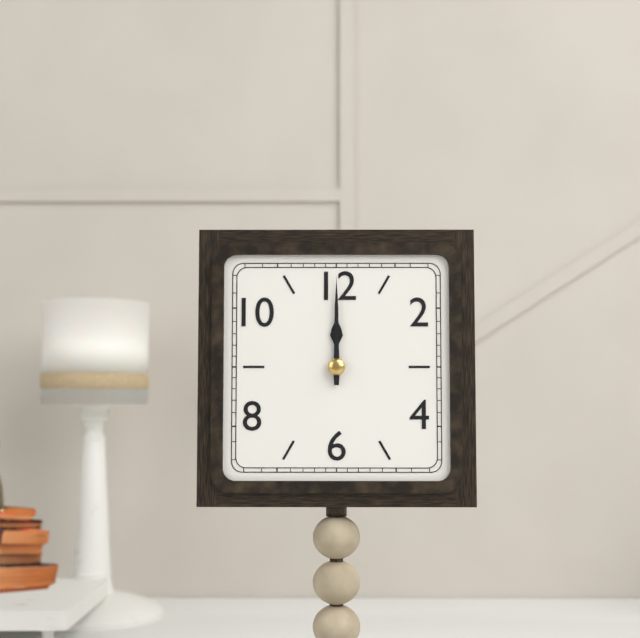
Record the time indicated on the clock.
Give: 12:00
